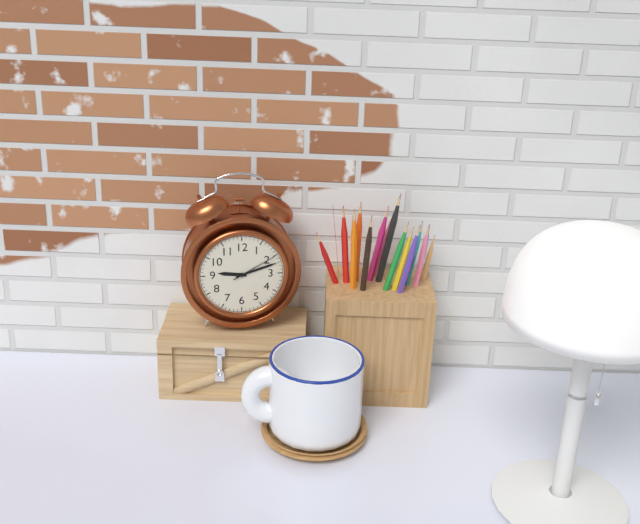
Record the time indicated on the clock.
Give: 9:12
